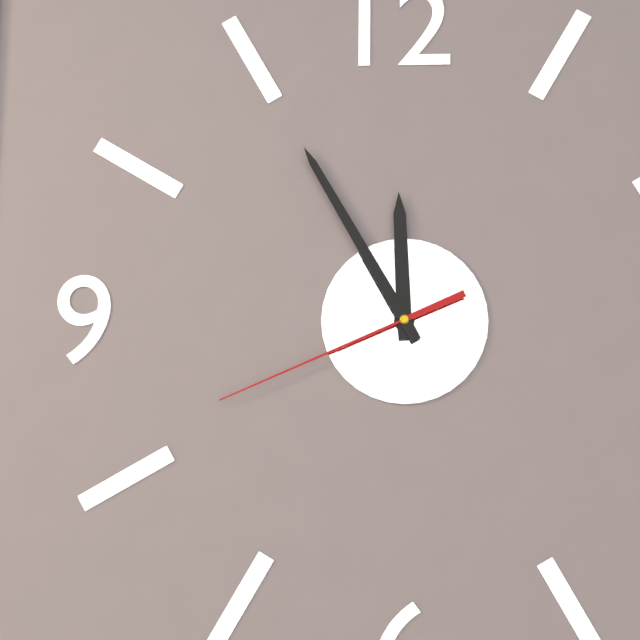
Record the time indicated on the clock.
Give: 11:55:41
